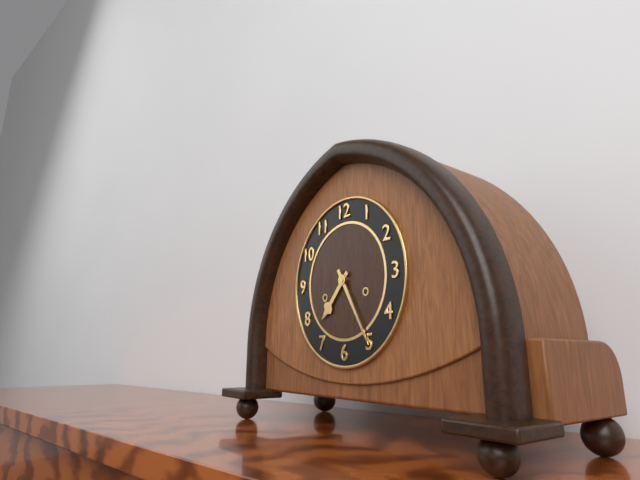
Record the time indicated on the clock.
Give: 7:25
